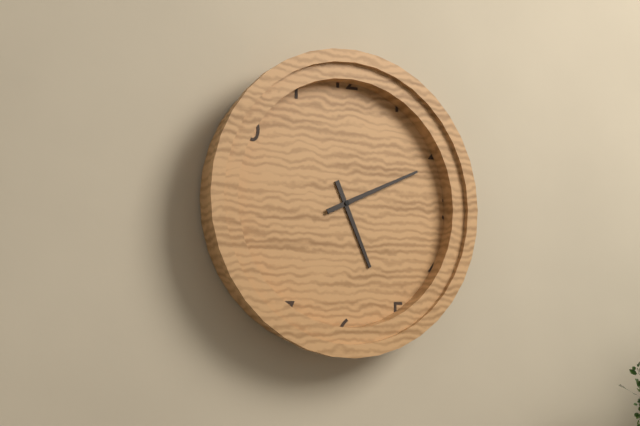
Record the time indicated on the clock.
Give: 5:11
